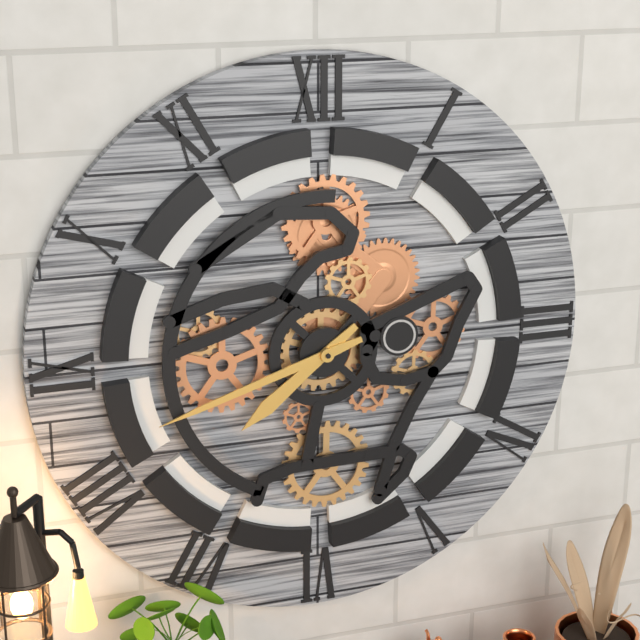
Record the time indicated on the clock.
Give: 7:42
